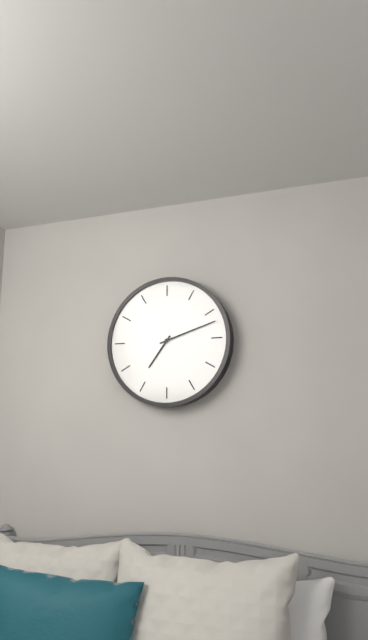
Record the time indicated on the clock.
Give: 7:12
